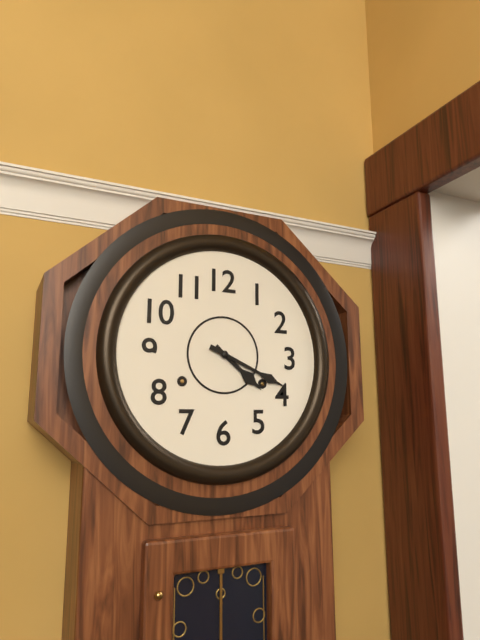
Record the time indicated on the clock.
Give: 4:19
